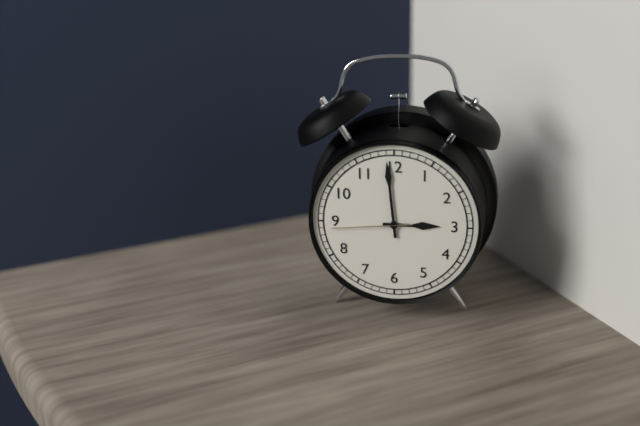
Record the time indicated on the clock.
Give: 2:59:44
